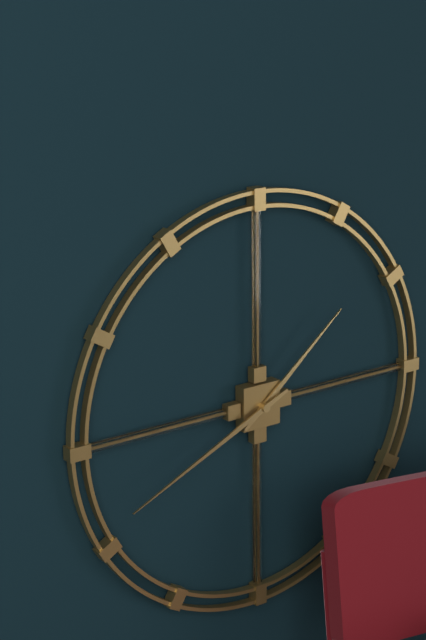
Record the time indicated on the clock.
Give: 1:41
